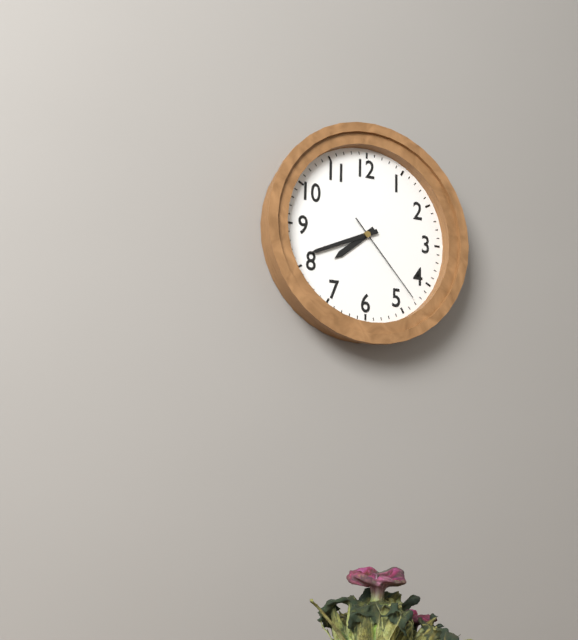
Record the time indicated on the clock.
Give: 7:41:23
